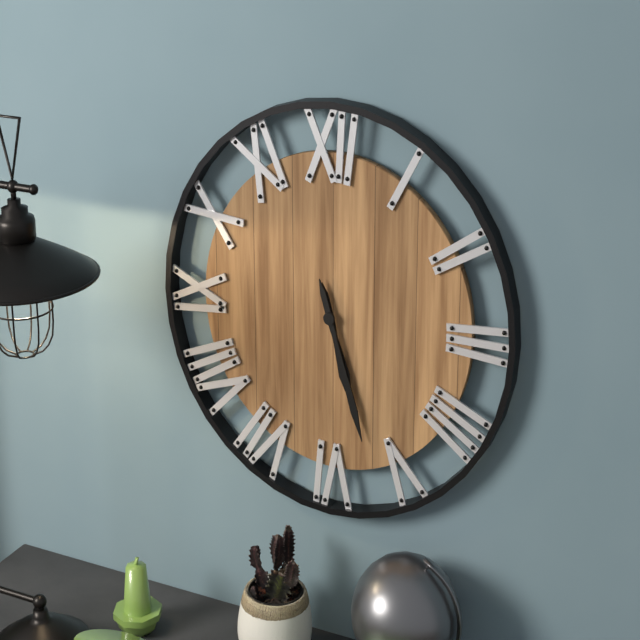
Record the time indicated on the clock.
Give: 5:27
